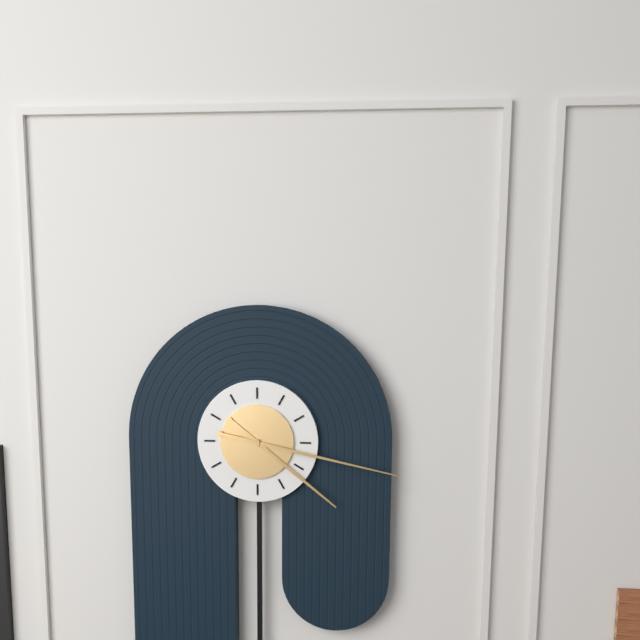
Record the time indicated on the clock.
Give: 4:17
